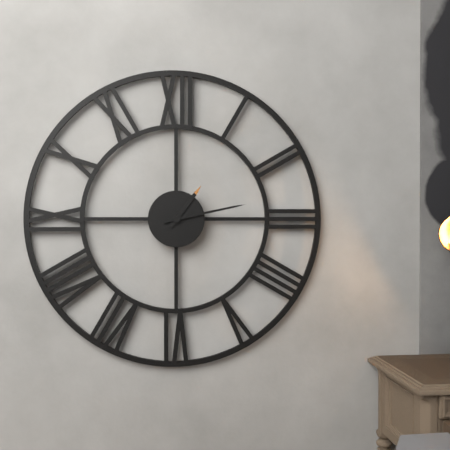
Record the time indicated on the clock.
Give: 1:13
